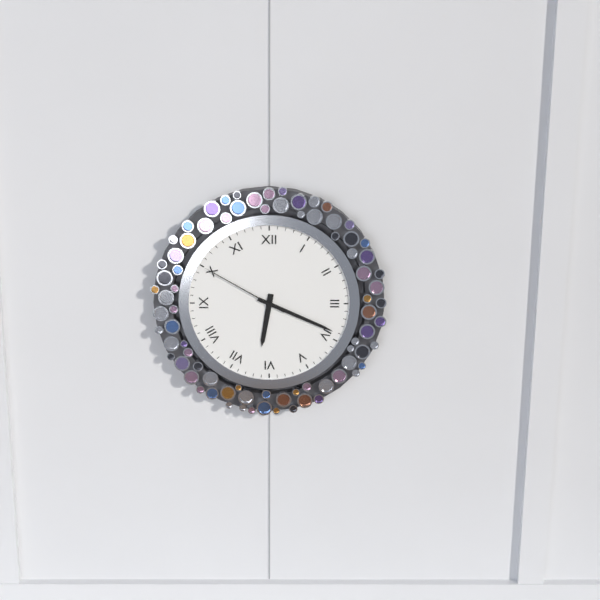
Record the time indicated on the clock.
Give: 6:19:50
